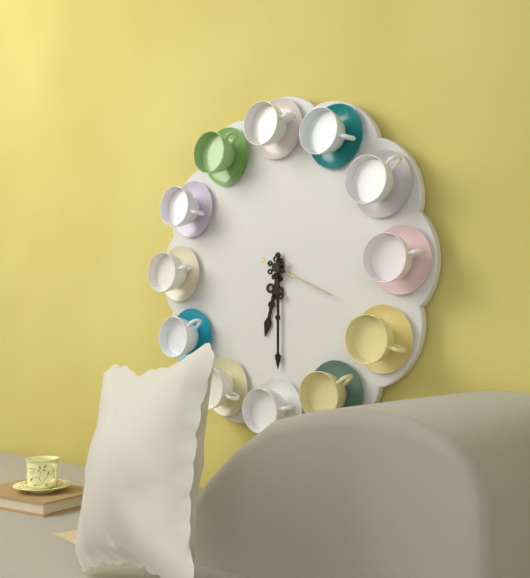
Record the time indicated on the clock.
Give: 6:30:19
